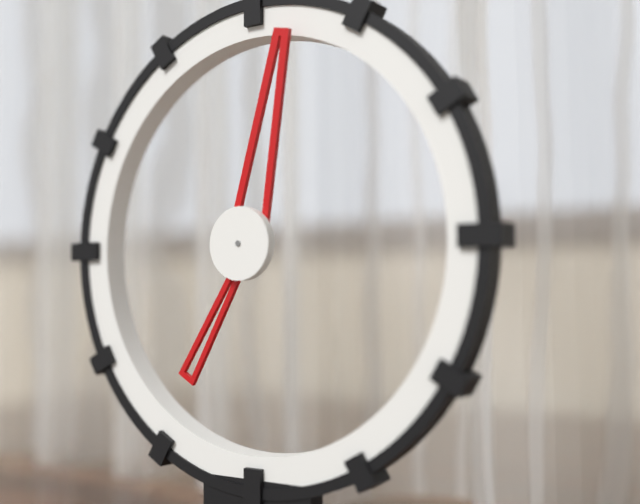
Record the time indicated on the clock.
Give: 7:02
